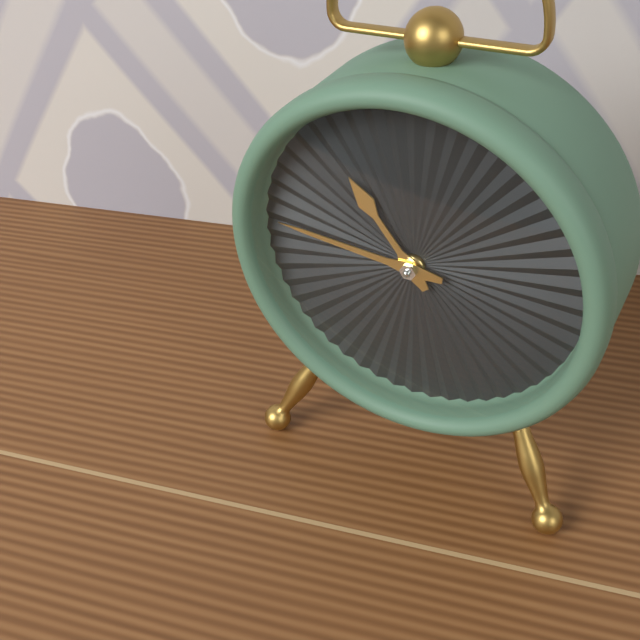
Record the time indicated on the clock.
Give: 10:46
